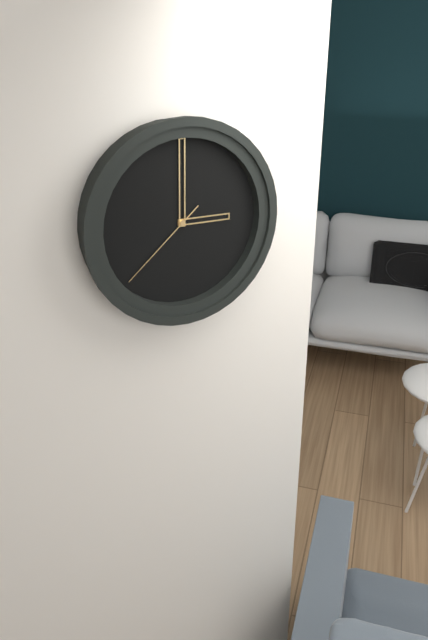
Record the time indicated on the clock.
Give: 3:00:38
